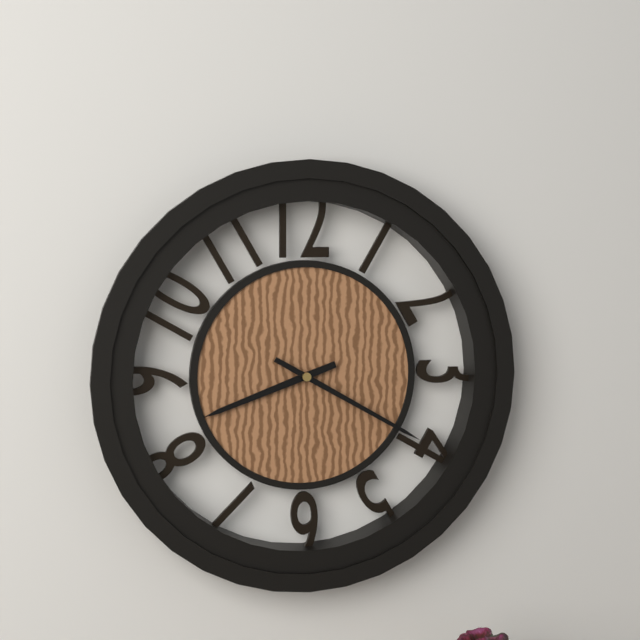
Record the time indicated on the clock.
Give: 8:20
